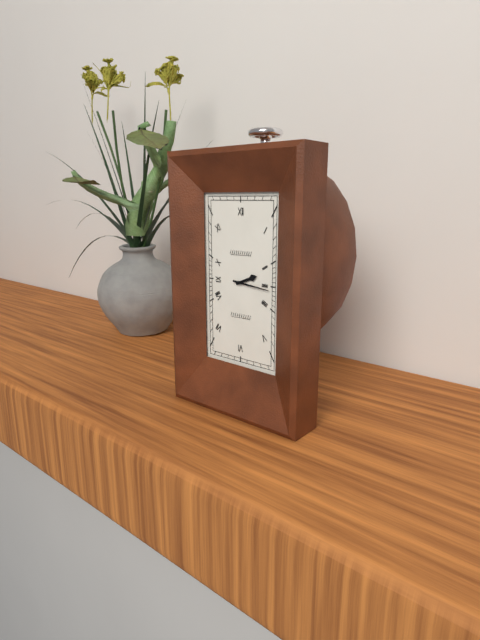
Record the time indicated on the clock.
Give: 2:16
